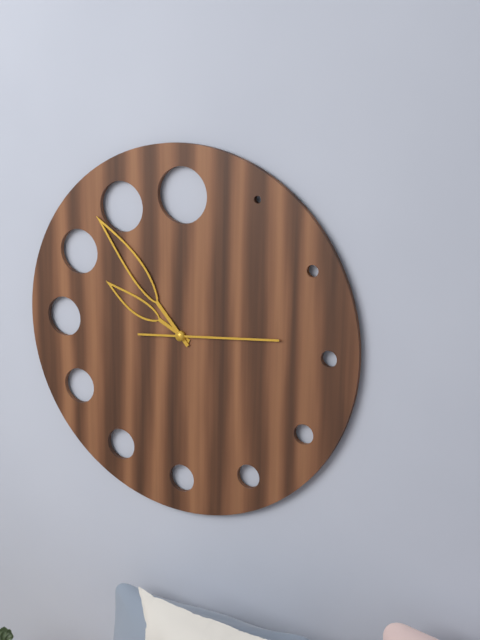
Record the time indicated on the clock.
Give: 9:53:14
